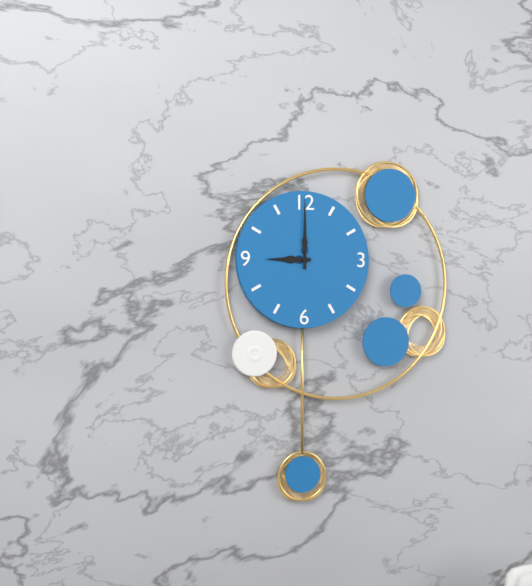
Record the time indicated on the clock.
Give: 9:00
